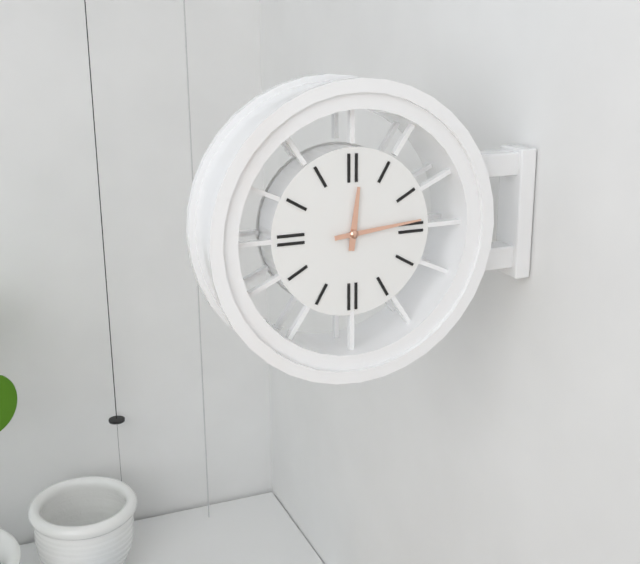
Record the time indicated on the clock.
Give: 12:14
